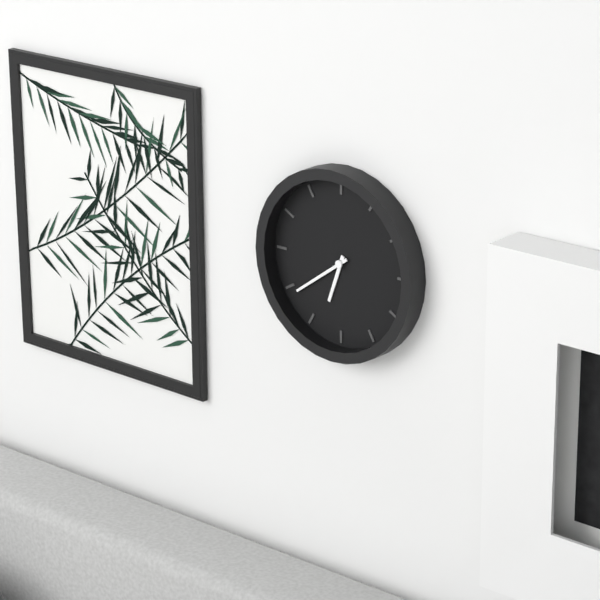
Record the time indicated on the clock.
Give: 6:39
